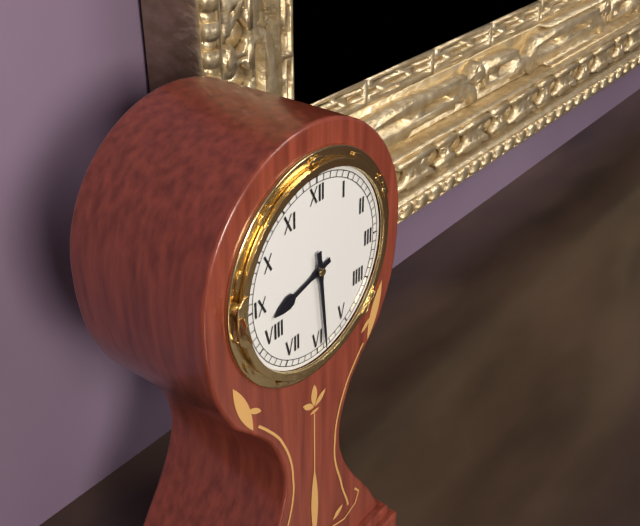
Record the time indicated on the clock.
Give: 8:29
